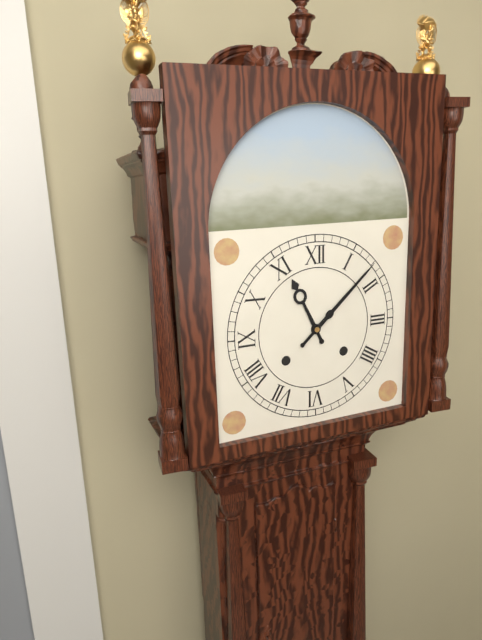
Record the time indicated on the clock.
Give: 11:08
